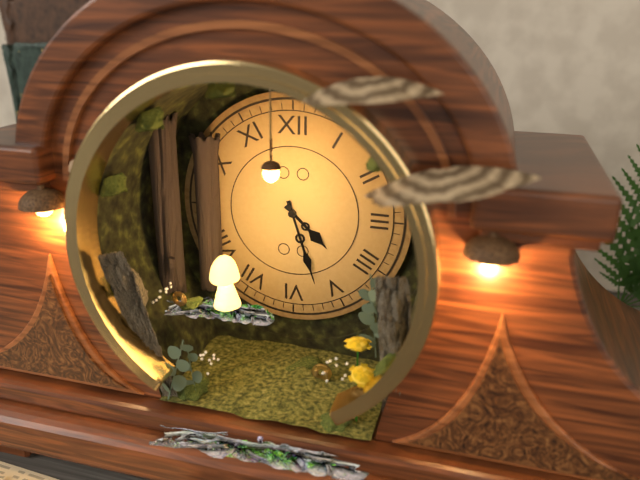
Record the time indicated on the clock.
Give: 4:27
